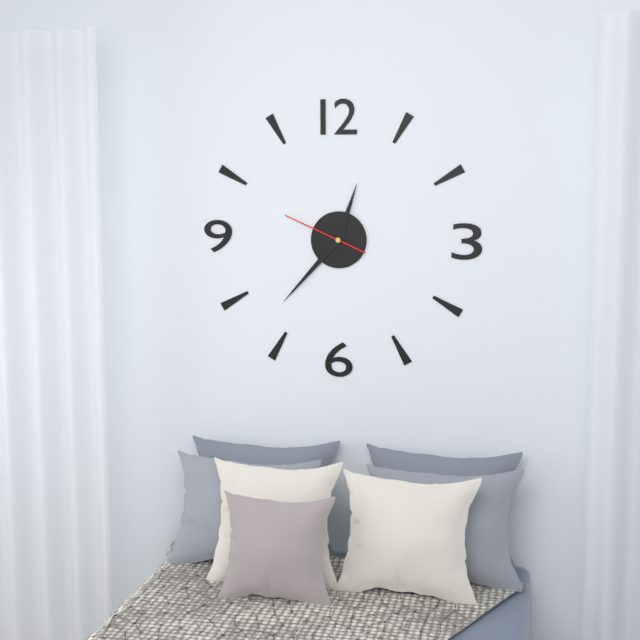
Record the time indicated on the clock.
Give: 12:37:49
